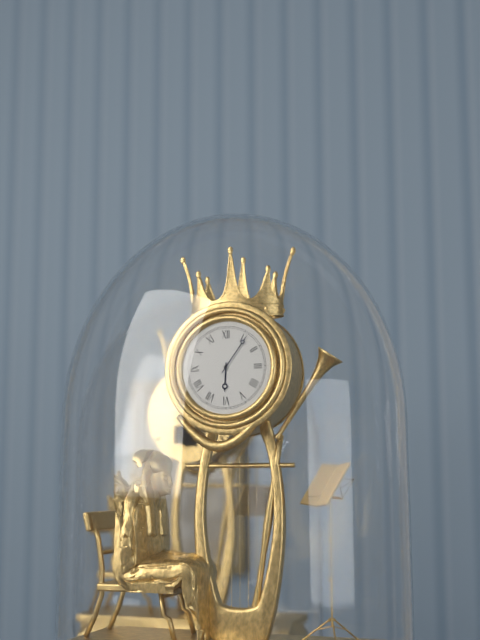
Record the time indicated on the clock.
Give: 6:06
